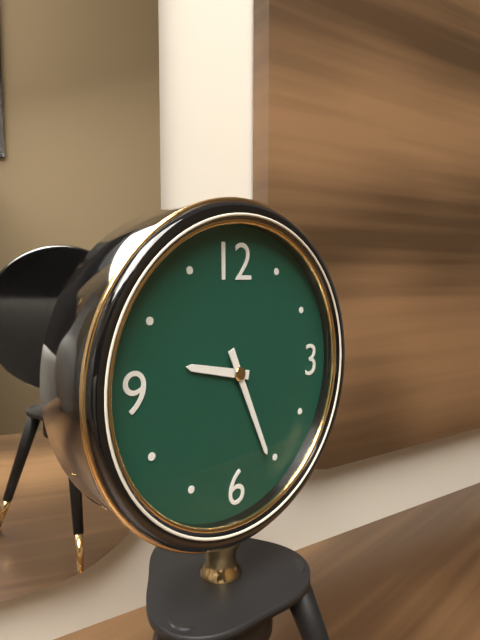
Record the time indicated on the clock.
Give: 9:26
